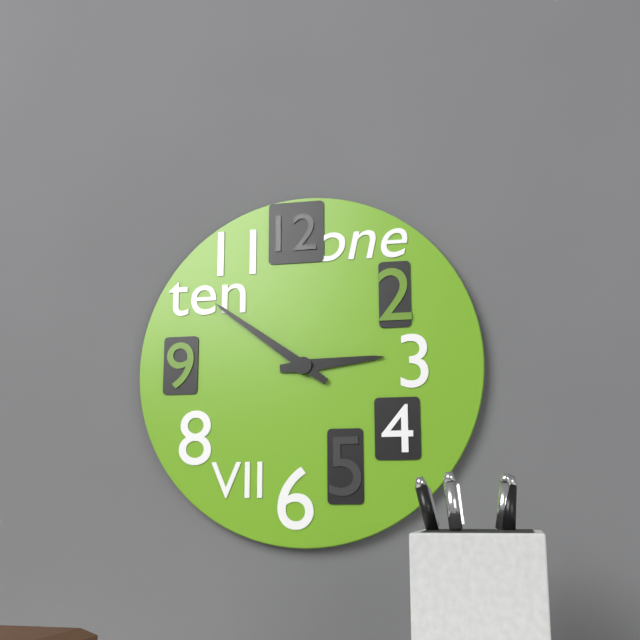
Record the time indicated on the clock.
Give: 2:51
